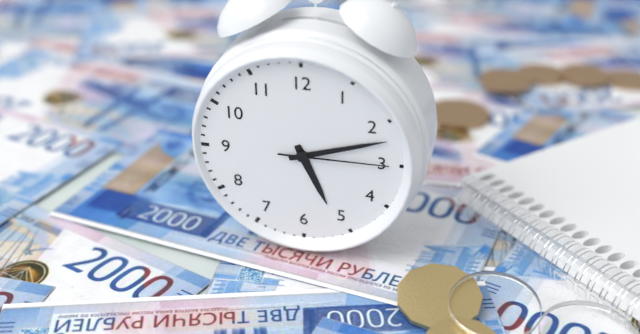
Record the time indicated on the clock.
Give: 5:12:15
